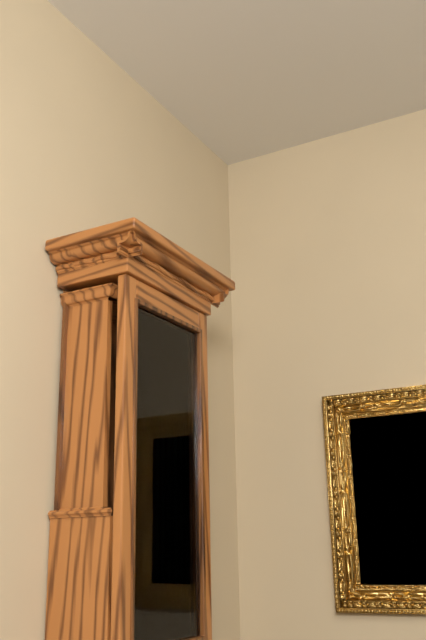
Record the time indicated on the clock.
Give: 3:56
